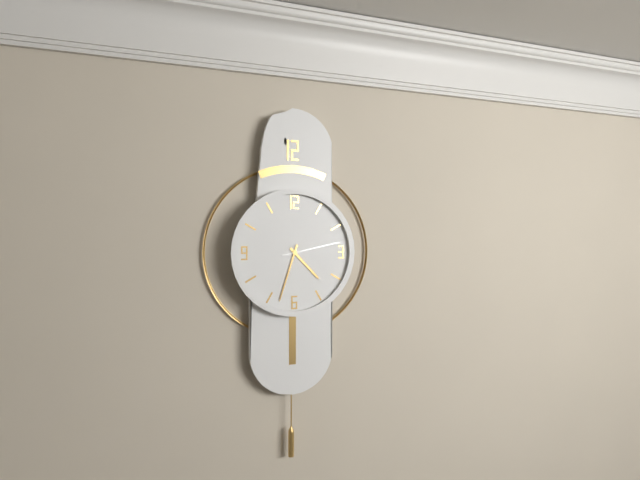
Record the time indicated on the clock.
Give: 4:33:13
